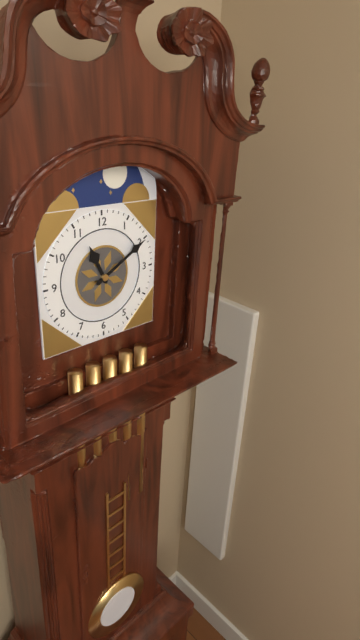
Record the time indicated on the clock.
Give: 11:10
